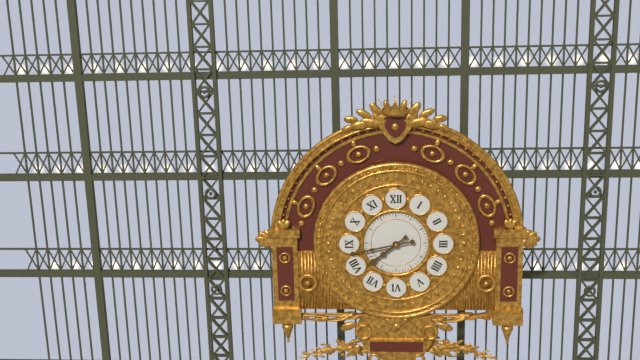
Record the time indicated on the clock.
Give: 7:43
